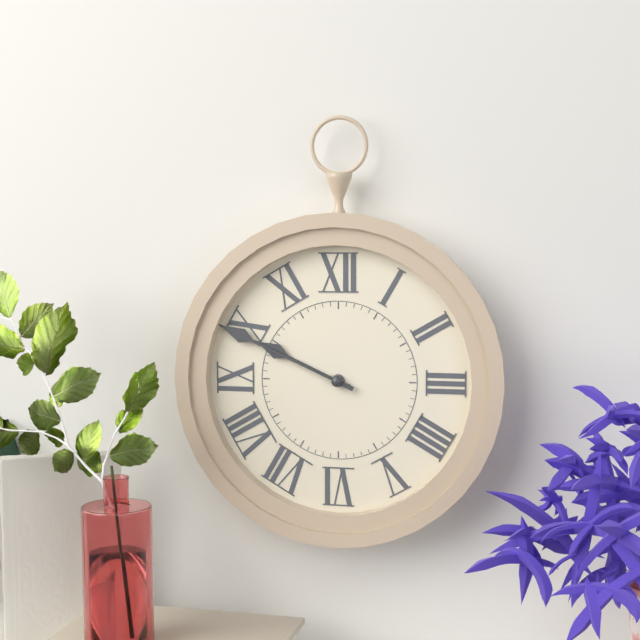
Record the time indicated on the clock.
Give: 9:49
